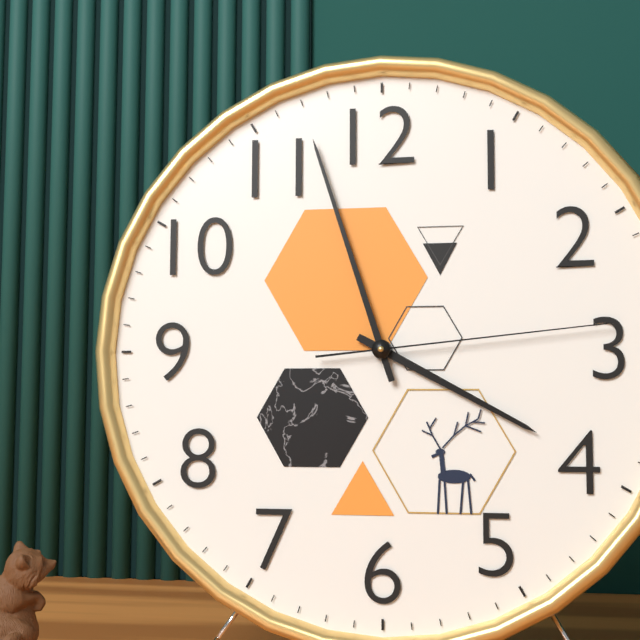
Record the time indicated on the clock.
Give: 3:57:14
